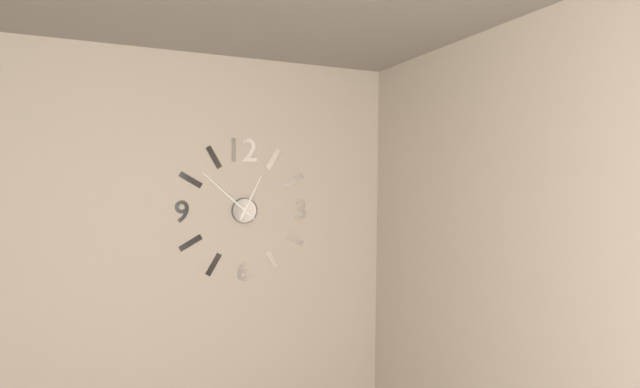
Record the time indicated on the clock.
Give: 12:52
